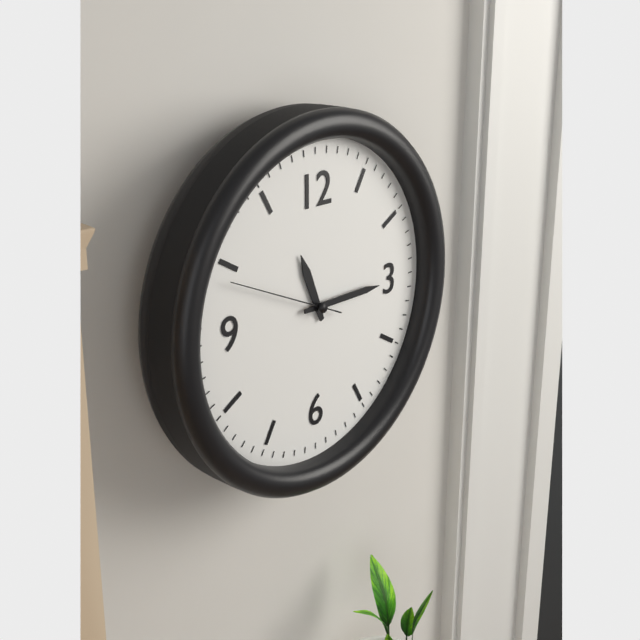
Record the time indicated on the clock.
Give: 11:15:49
